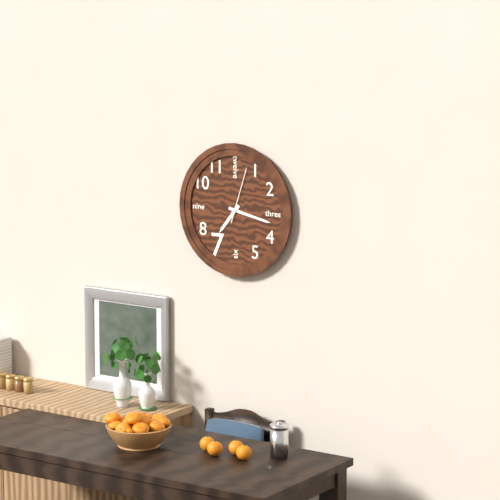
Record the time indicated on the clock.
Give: 7:17:03
